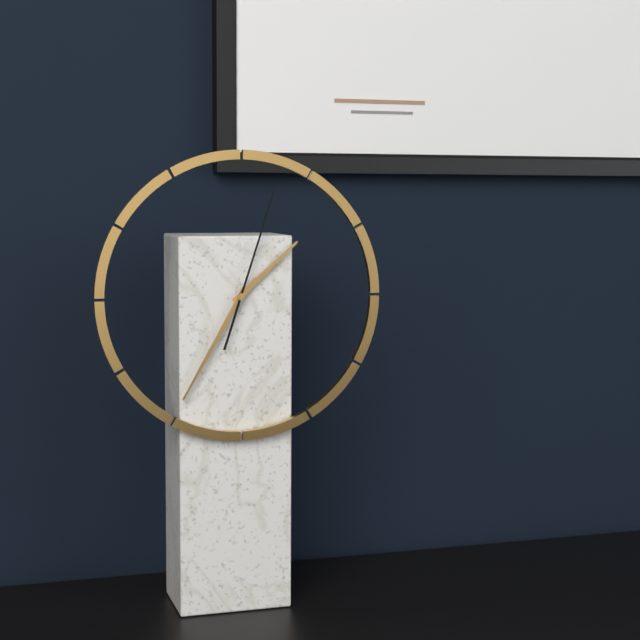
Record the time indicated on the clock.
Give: 1:35:03
